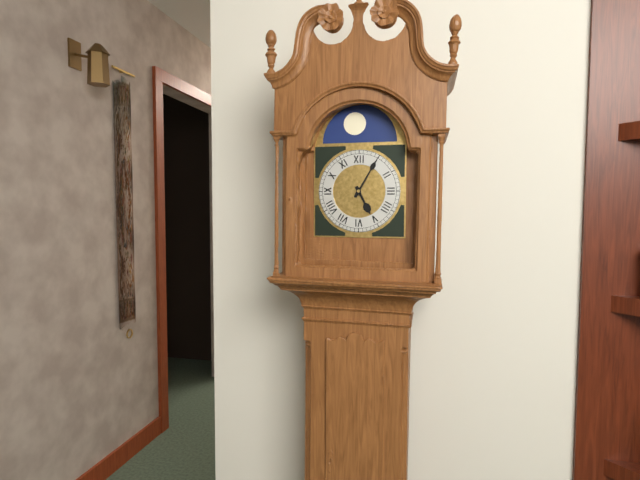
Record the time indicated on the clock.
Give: 5:05
